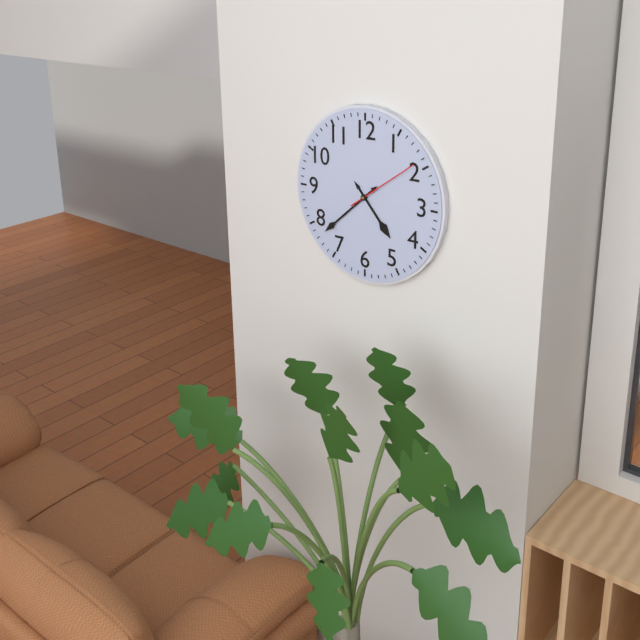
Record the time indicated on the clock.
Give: 4:38:09
